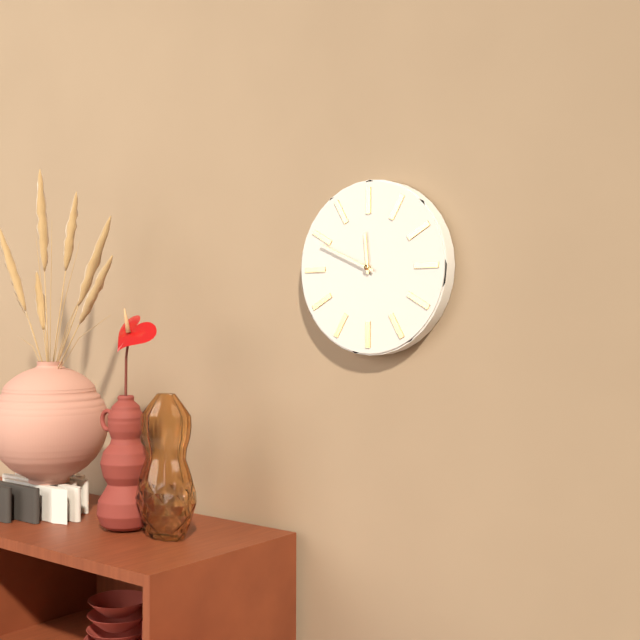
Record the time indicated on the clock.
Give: 11:49
